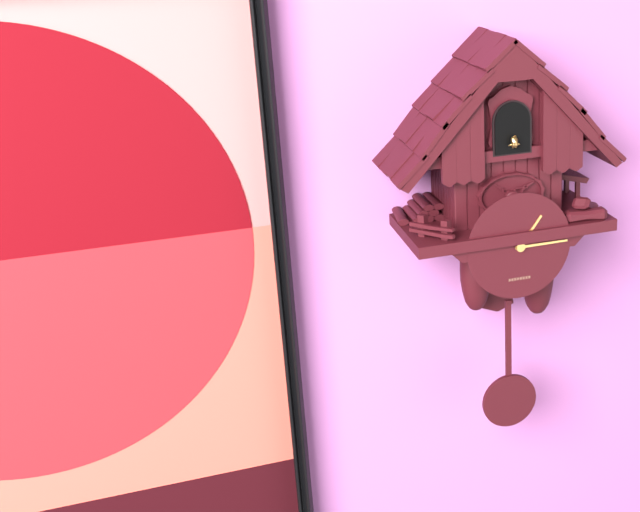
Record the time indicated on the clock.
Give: 1:15
